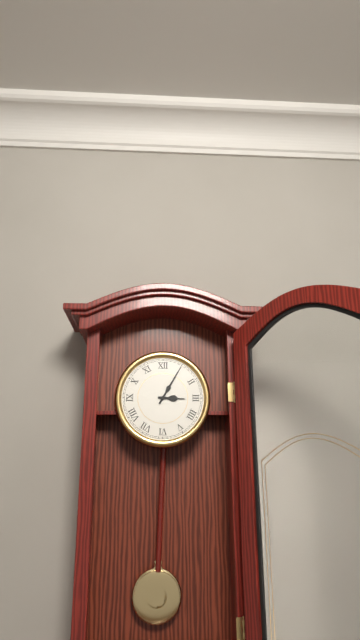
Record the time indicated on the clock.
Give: 3:05
